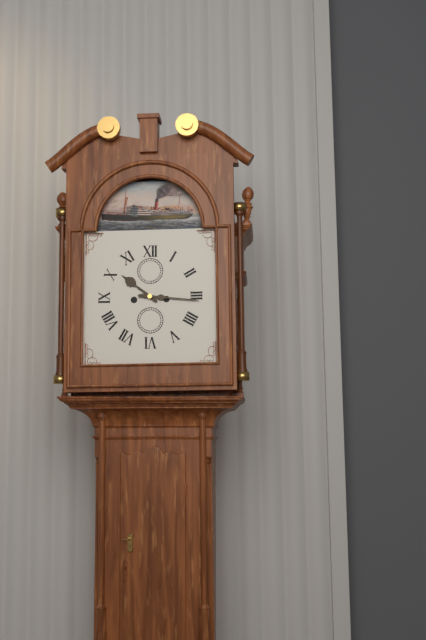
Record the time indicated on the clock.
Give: 10:16
